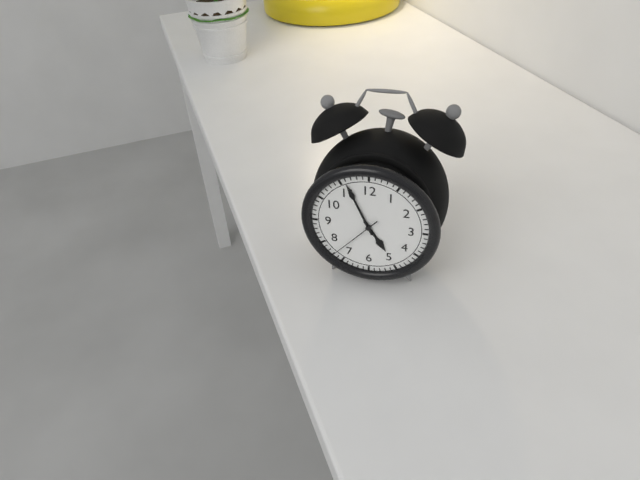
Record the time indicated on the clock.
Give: 4:56:37
